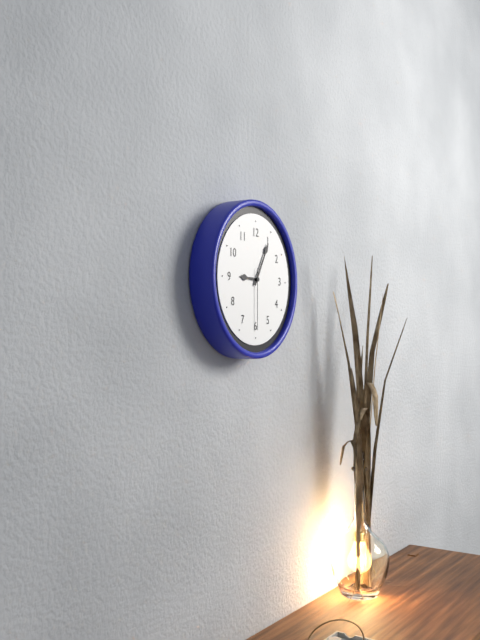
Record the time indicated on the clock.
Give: 9:05:30
